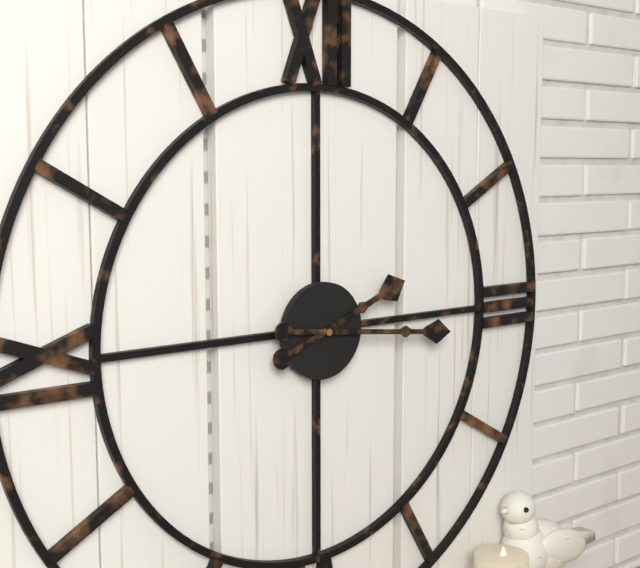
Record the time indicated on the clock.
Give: 2:16
